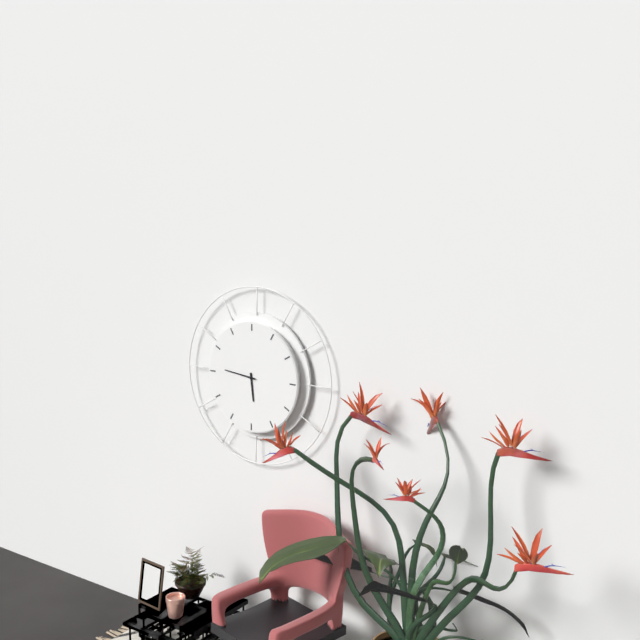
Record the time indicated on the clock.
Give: 5:46
